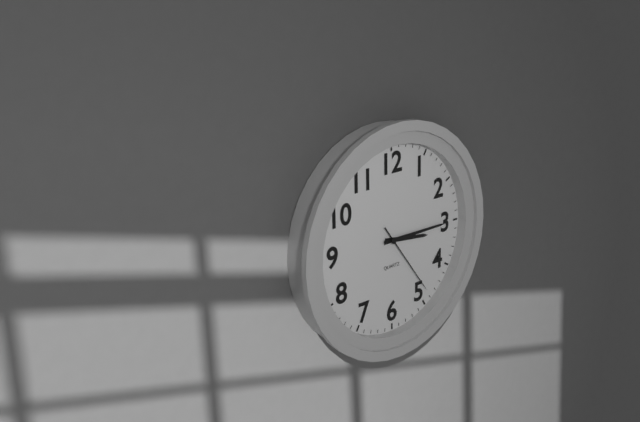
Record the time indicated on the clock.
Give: 3:15:24
